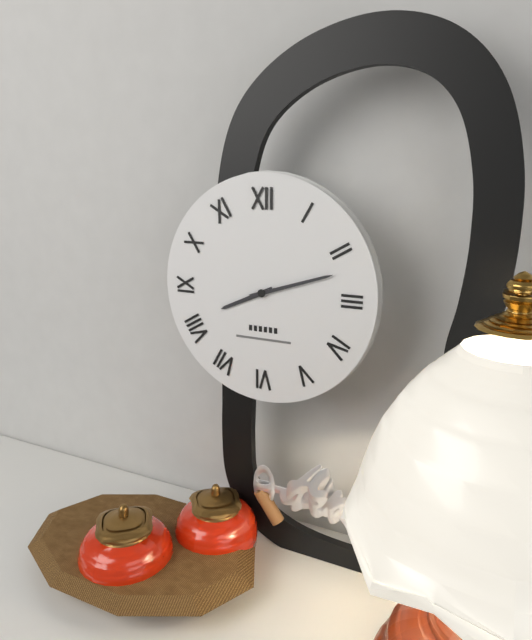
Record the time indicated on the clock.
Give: 8:12
